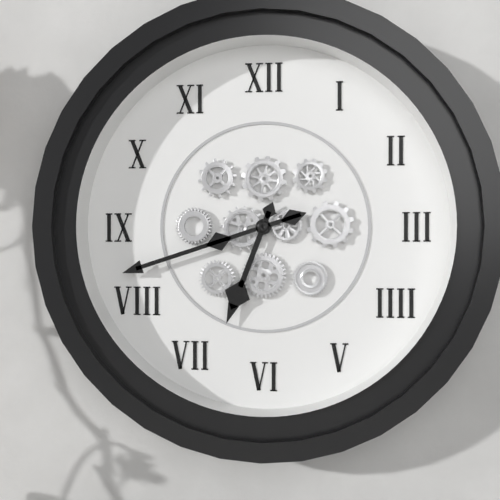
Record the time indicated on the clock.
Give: 6:42
